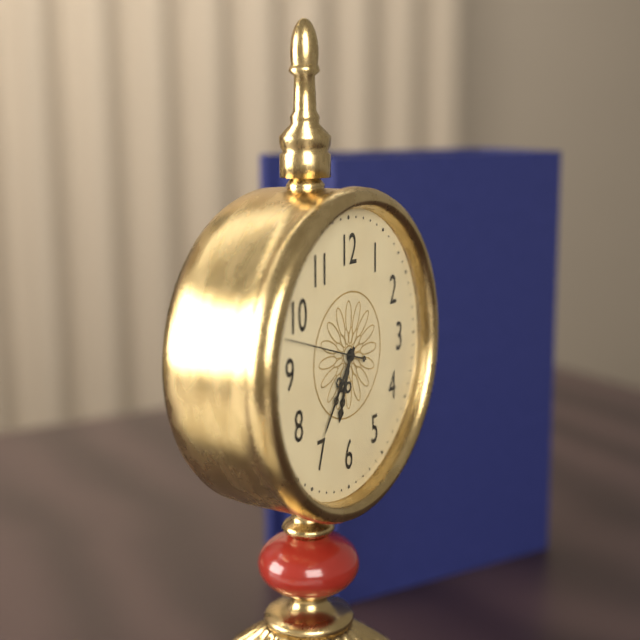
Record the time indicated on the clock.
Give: 6:36:48
